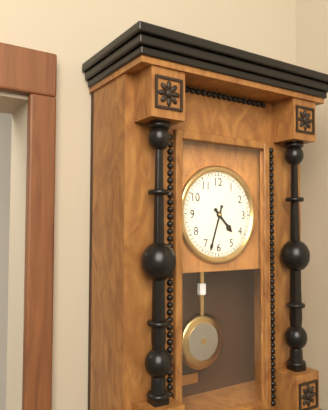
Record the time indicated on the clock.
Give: 4:33
